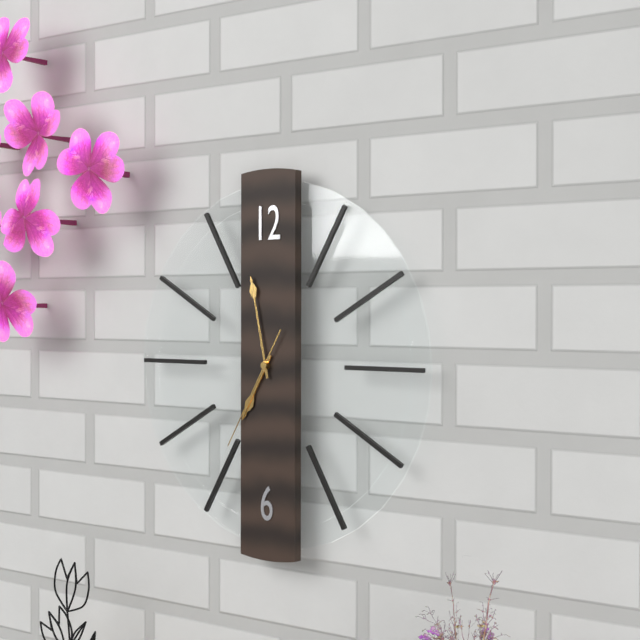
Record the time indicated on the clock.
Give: 6:58:35
